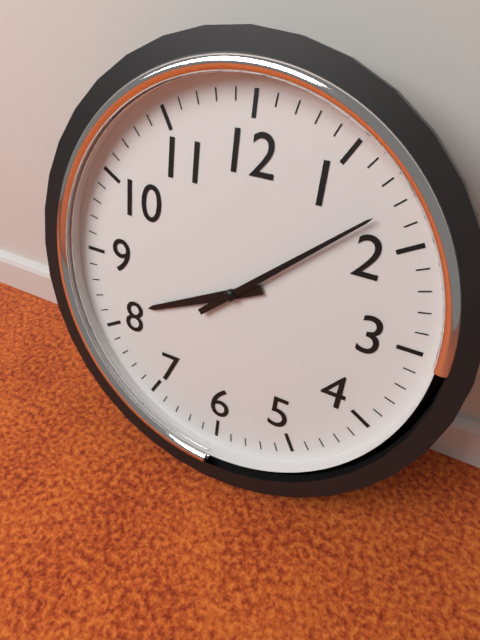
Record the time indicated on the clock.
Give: 8:08
